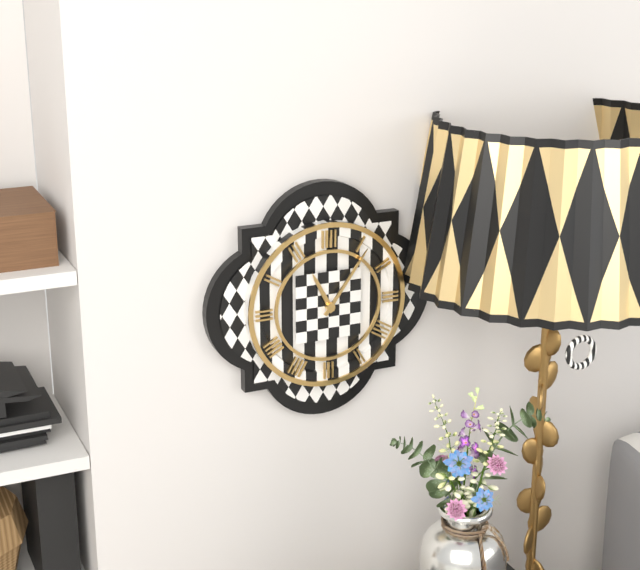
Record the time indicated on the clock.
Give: 11:06
